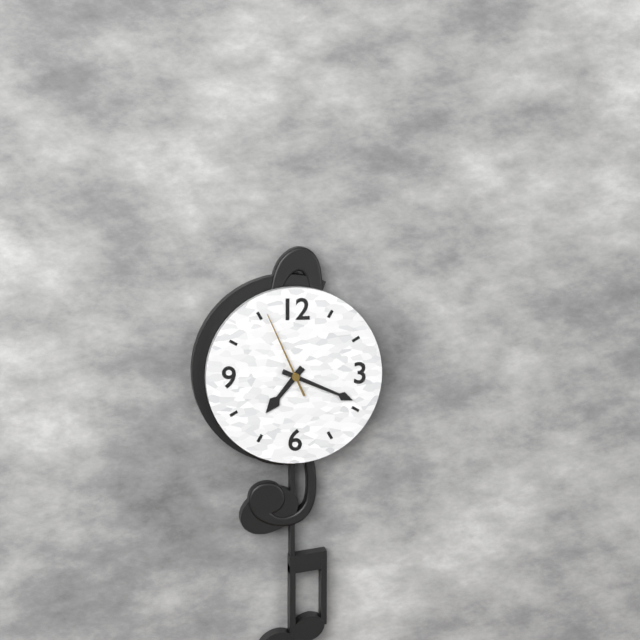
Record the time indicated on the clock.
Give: 7:19:56
